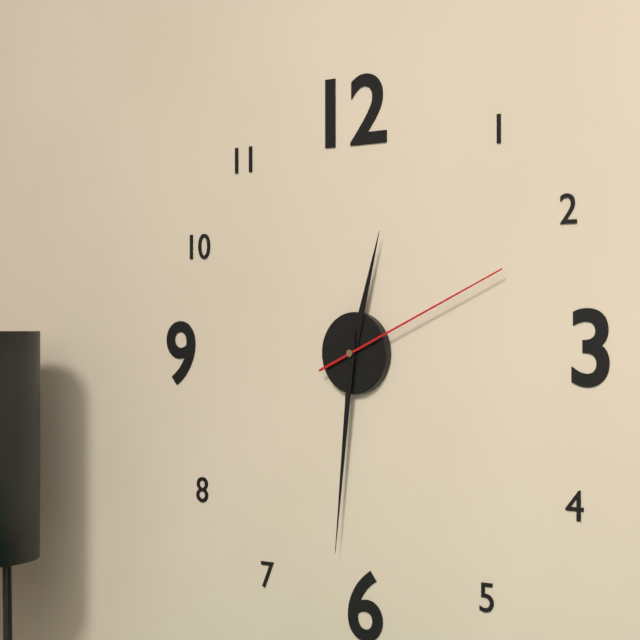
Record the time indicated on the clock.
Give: 12:31:11
